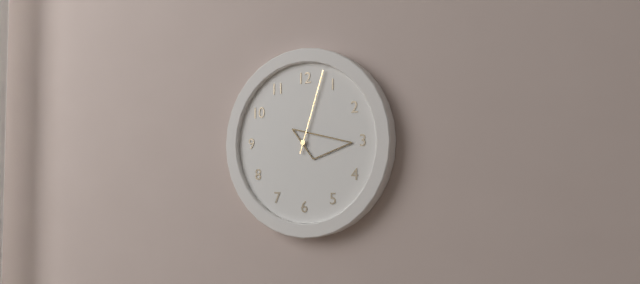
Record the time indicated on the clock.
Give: 3:03
